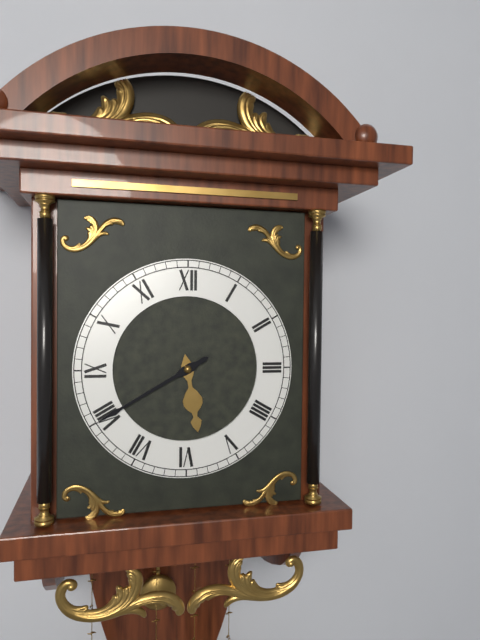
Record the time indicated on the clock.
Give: 5:40
